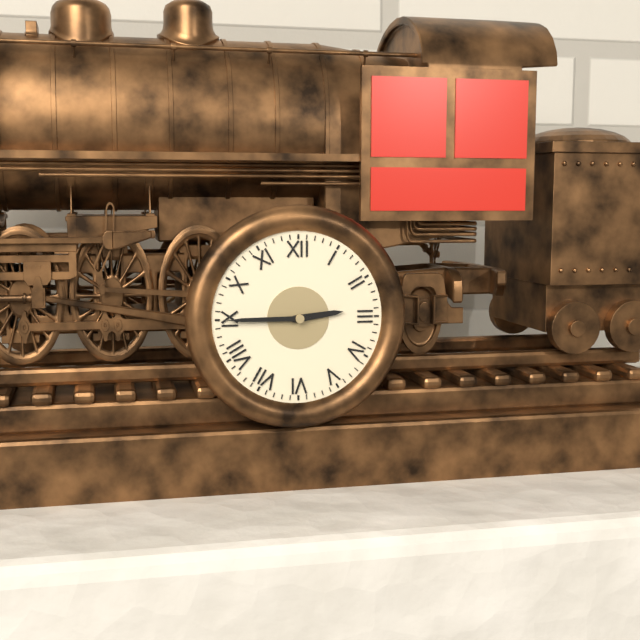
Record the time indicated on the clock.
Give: 2:45
